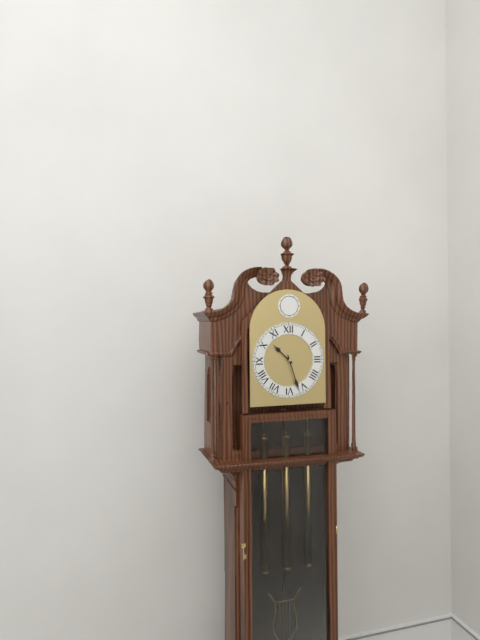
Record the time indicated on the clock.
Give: 10:27
